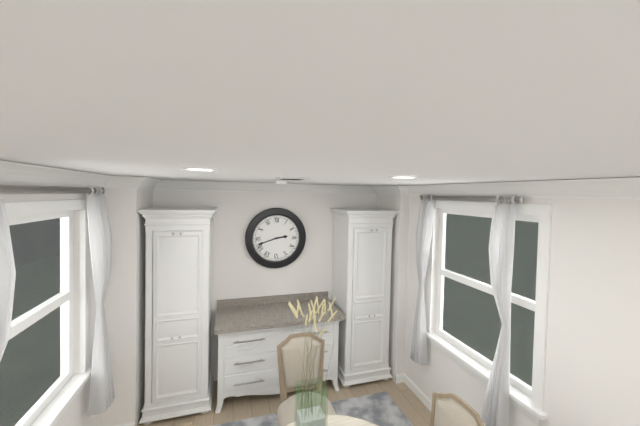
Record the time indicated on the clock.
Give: 2:42
